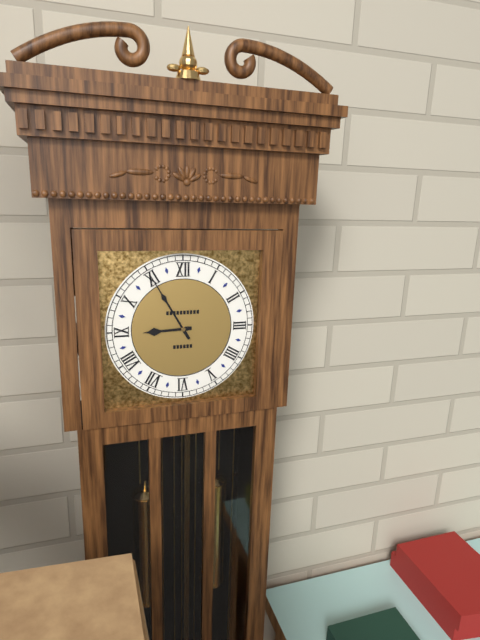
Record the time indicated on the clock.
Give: 8:55
